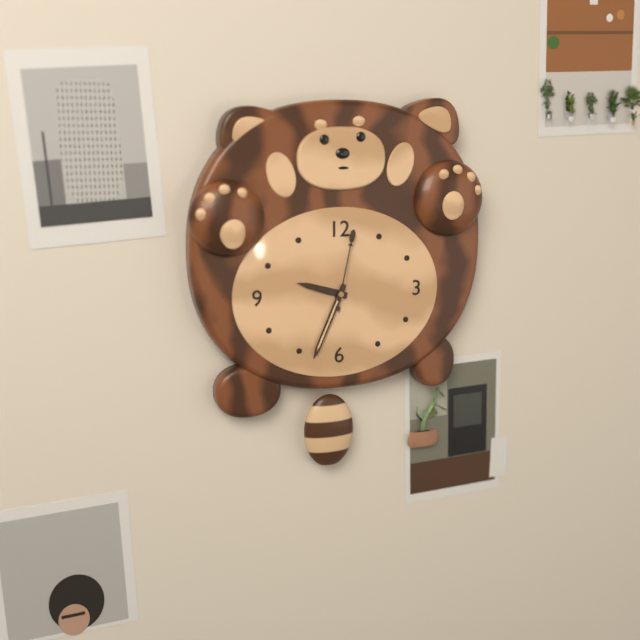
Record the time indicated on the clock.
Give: 9:34:02
